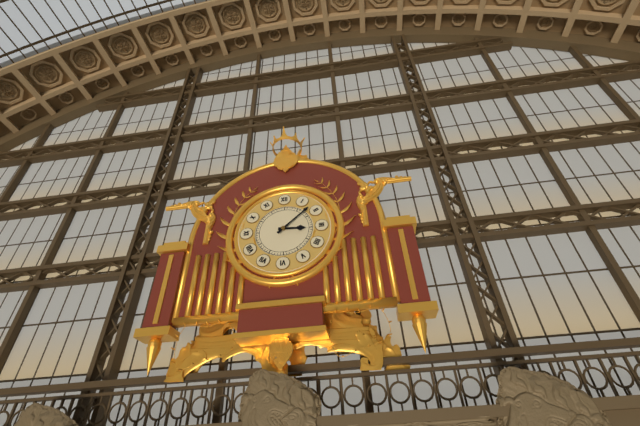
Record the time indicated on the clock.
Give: 3:08
